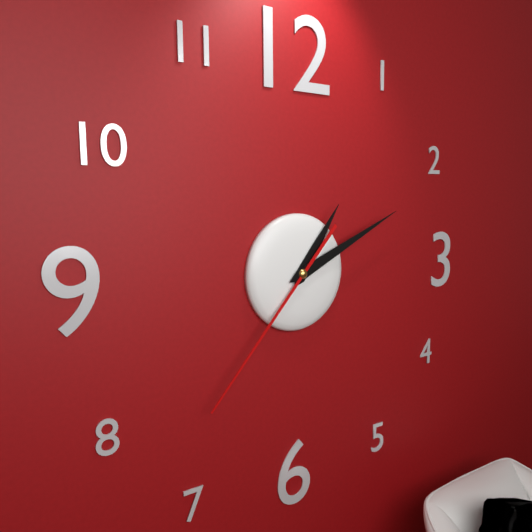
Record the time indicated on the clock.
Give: 1:11:37
